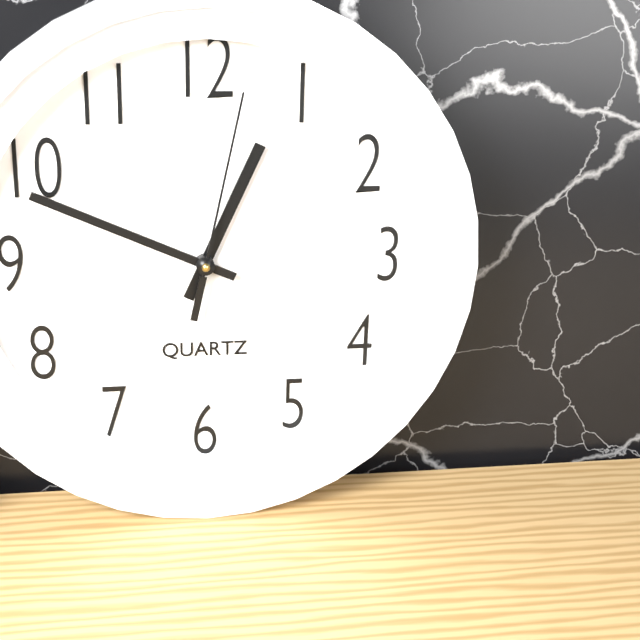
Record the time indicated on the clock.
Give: 12:49:02
